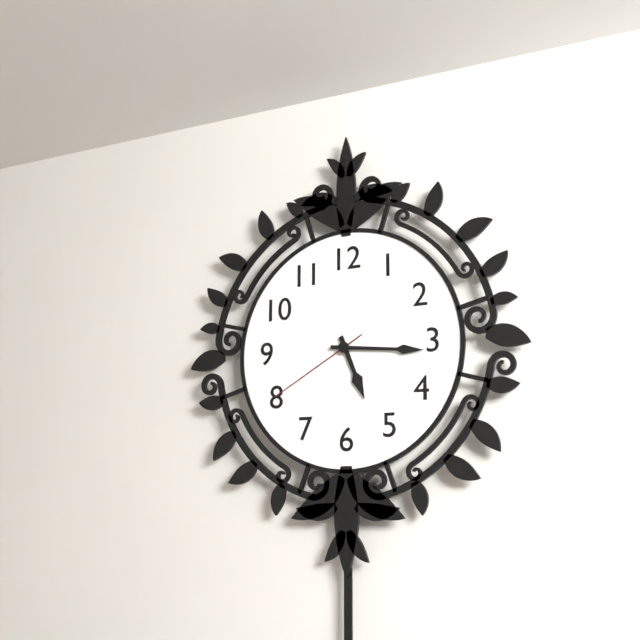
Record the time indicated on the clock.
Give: 5:16:40
